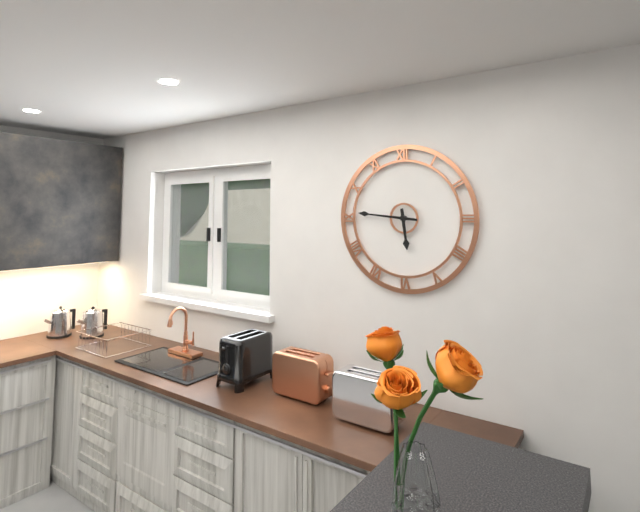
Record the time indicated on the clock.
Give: 5:46
